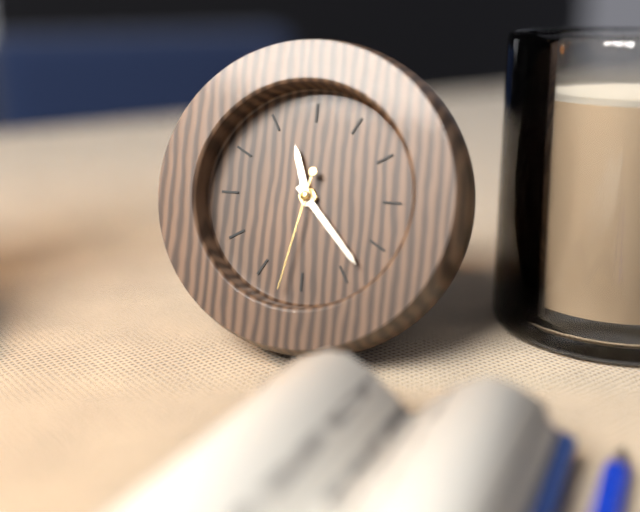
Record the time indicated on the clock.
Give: 11:23:32
